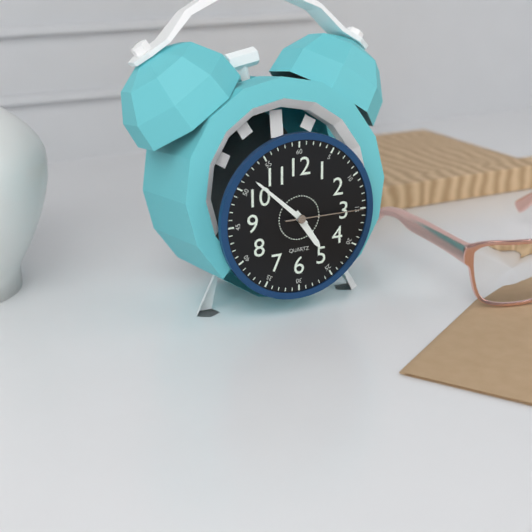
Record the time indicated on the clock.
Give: 4:52:15
